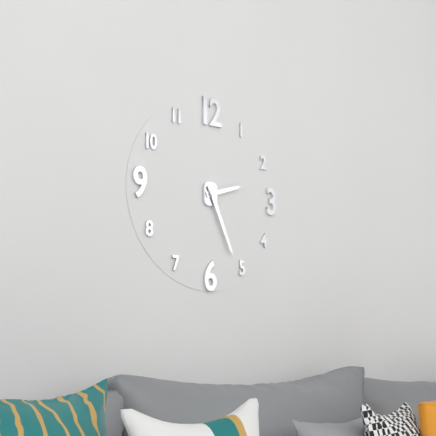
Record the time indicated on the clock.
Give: 2:26
